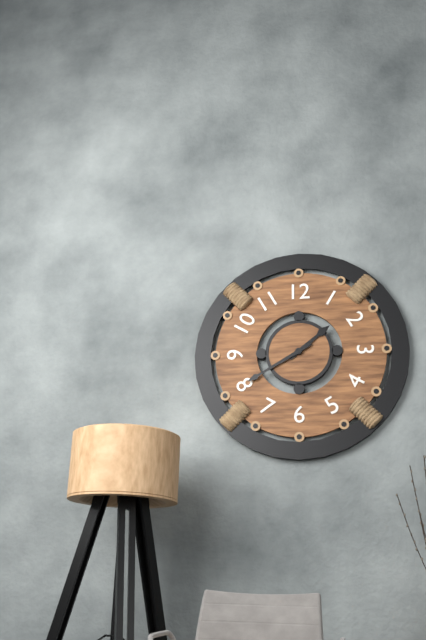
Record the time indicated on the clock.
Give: 1:40
